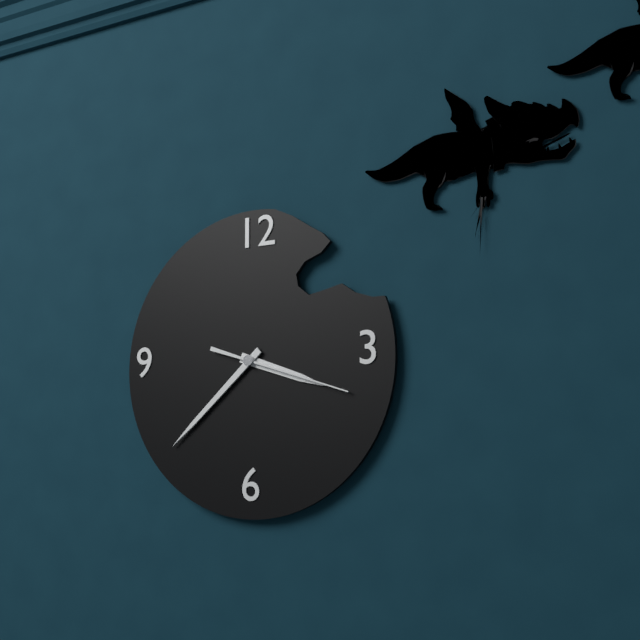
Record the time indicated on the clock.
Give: 3:38:18
